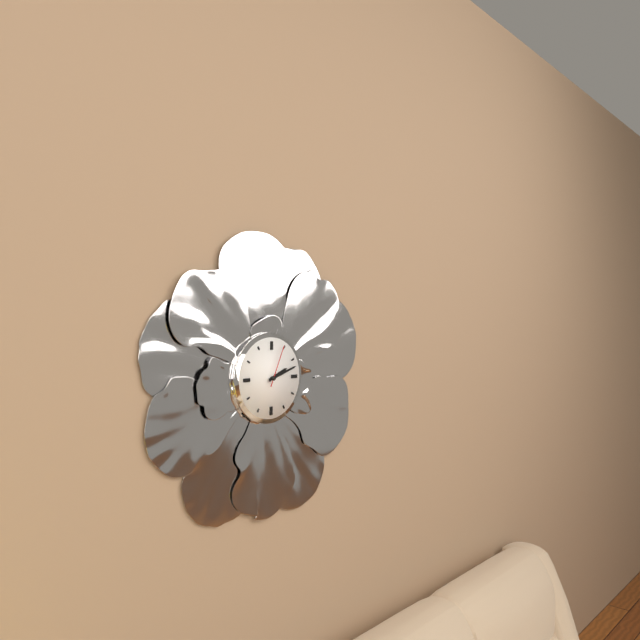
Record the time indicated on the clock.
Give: 2:12
